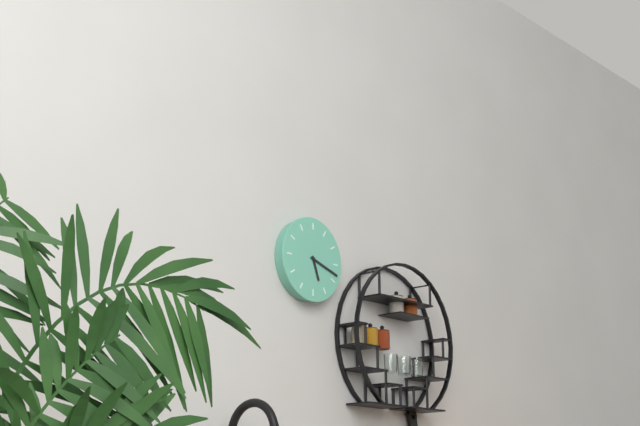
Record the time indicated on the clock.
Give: 5:18
